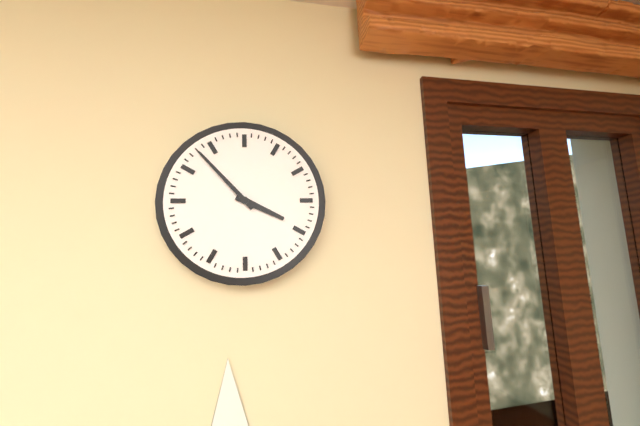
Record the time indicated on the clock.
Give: 3:53
